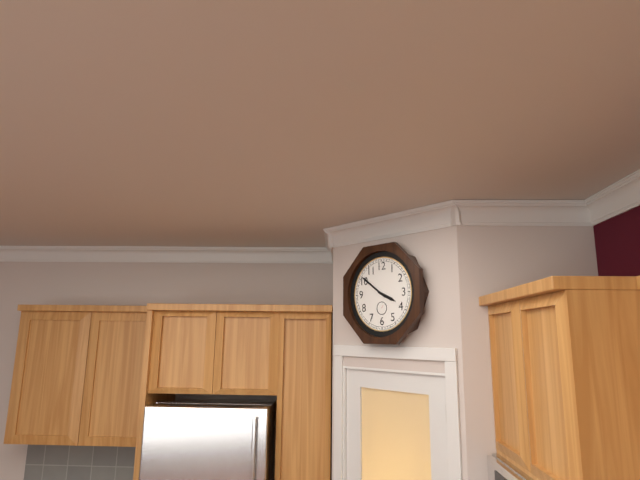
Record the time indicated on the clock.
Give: 3:51
